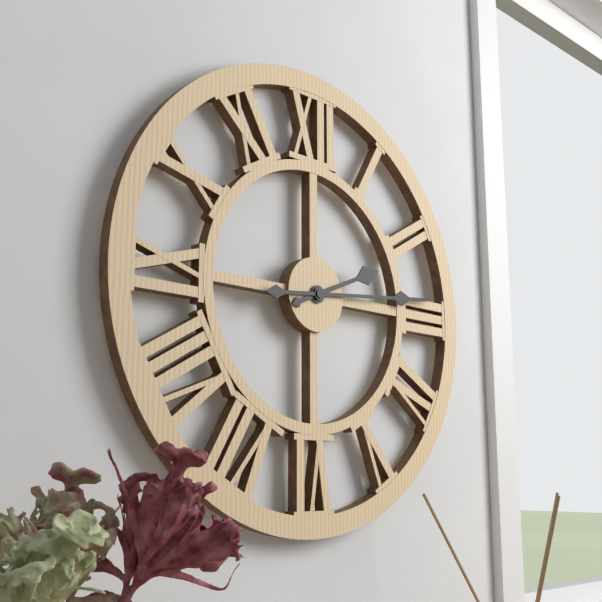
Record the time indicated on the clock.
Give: 2:14
